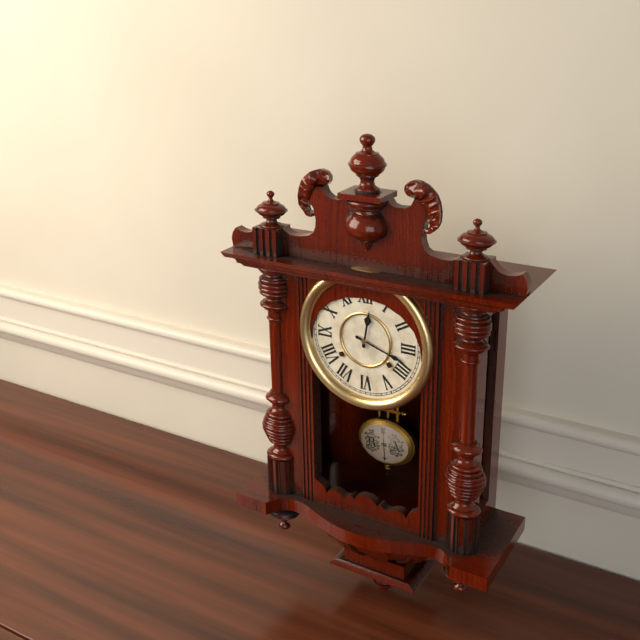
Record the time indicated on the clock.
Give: 12:18
